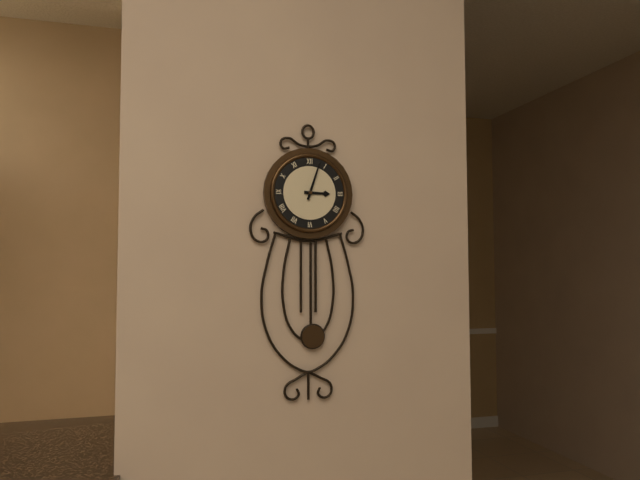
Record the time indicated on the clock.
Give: 3:03
